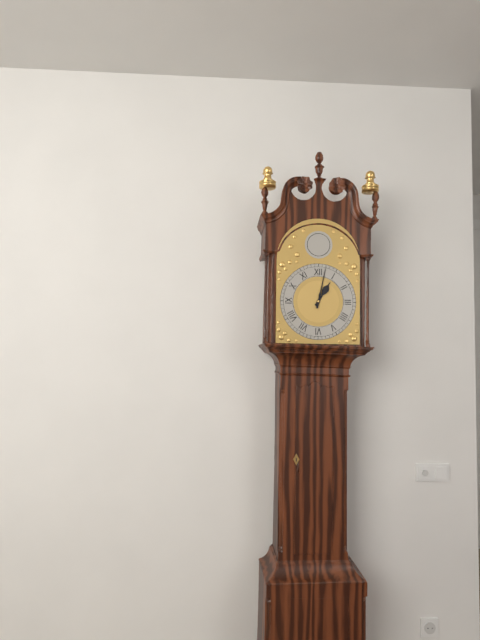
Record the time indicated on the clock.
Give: 1:02
